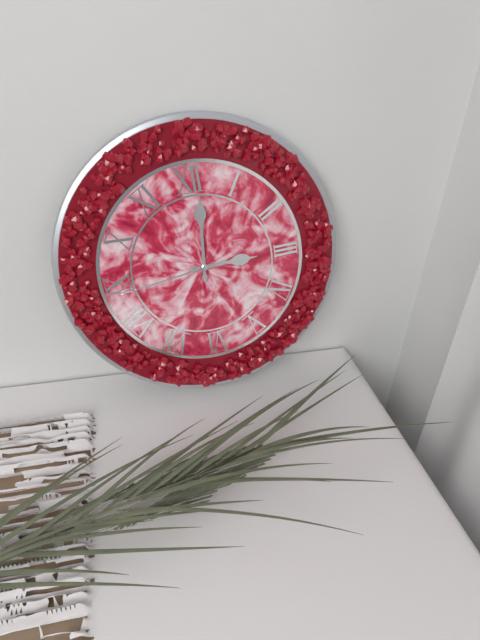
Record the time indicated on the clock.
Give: 3:01:44
